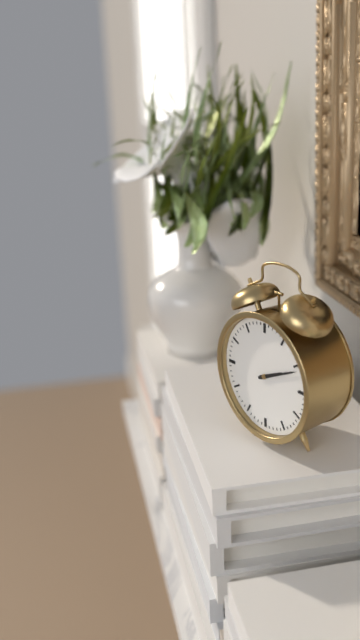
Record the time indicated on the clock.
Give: 2:11
